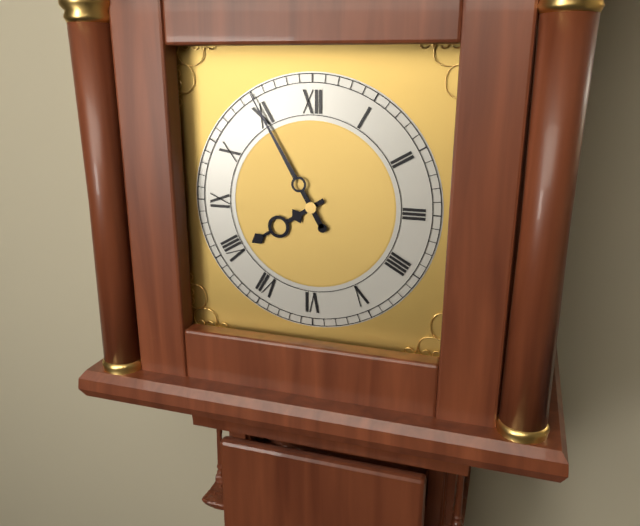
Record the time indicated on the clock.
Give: 7:55
